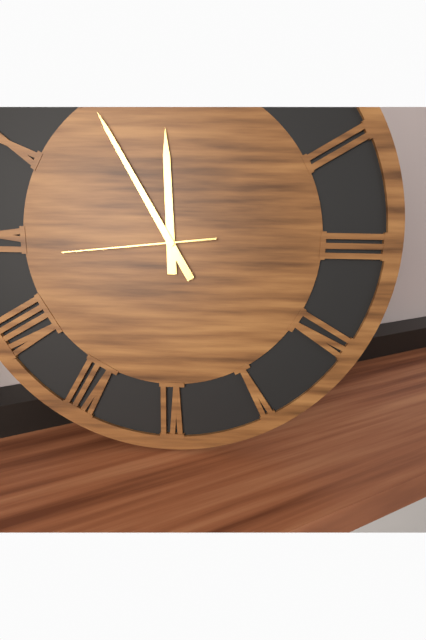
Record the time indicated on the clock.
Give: 11:55:44
